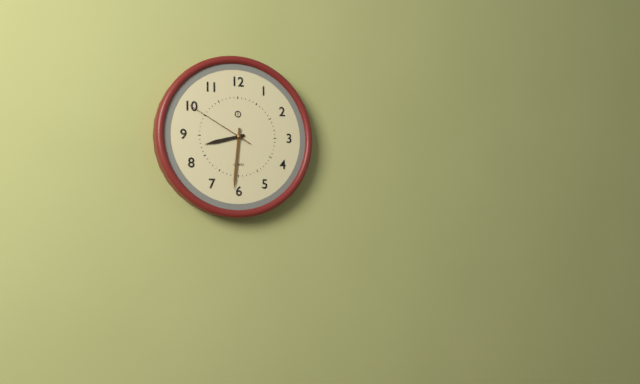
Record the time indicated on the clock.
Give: 8:31:50
